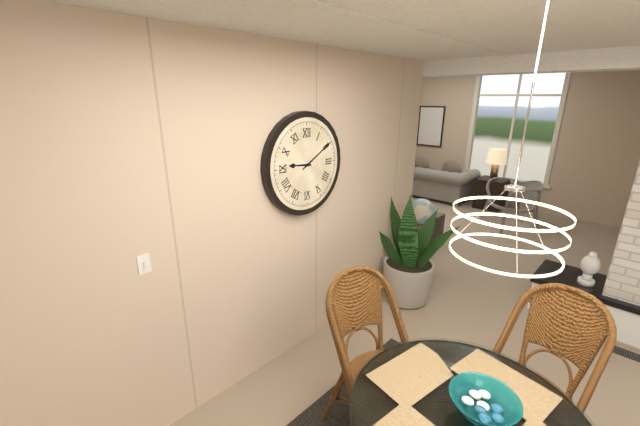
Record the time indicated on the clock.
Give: 9:10
